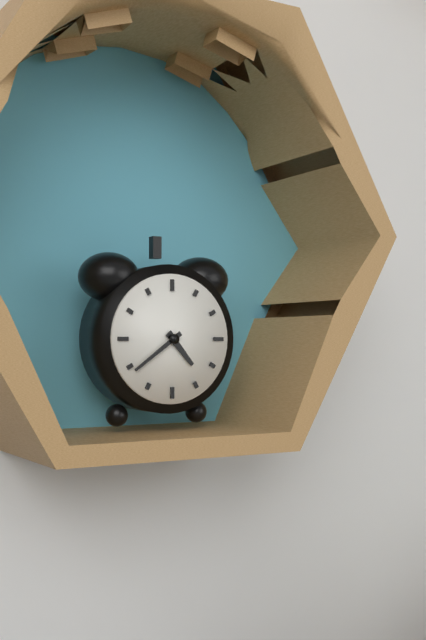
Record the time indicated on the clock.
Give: 4:39
